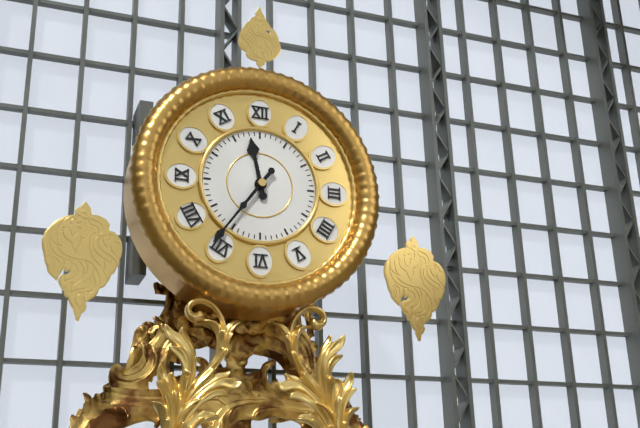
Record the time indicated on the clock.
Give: 11:36
